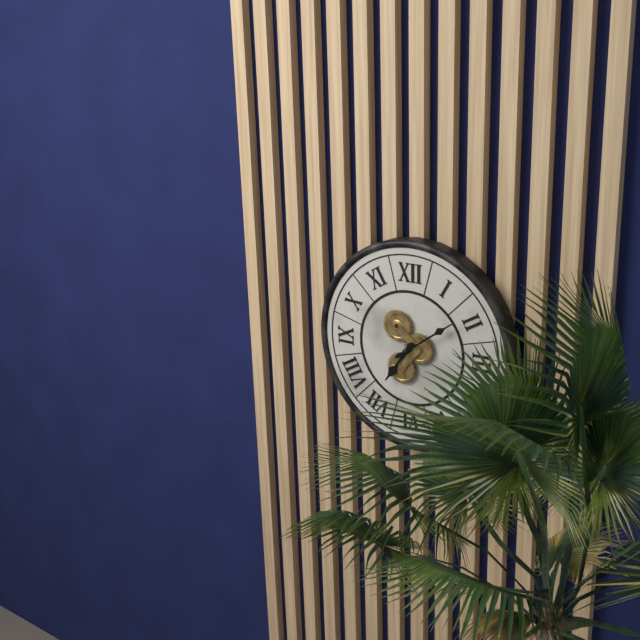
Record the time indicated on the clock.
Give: 7:09
